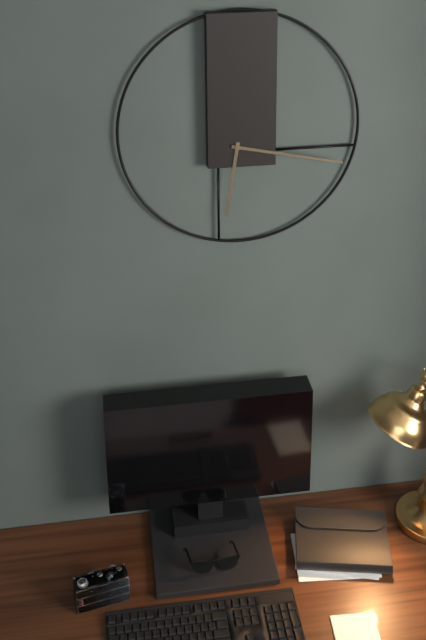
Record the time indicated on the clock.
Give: 6:17
